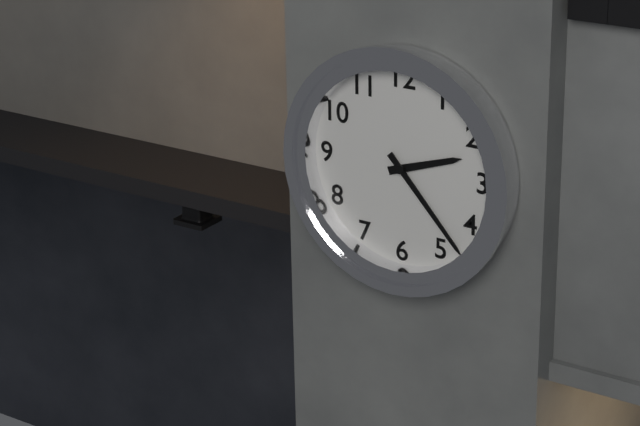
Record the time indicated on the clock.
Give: 2:23
